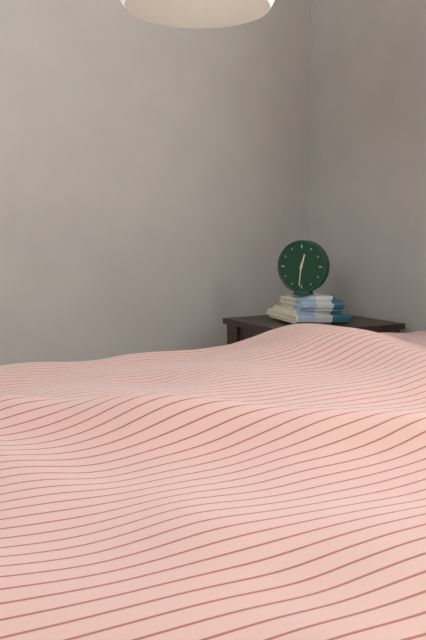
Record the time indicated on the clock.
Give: 12:31
